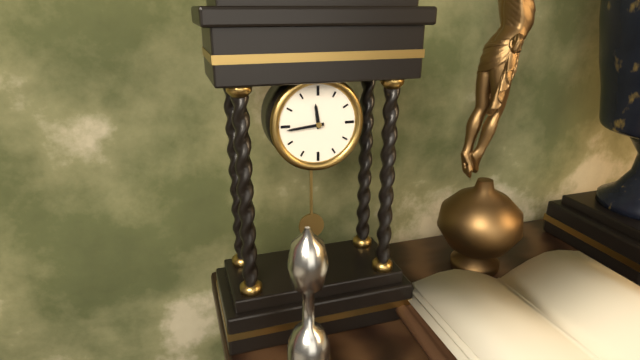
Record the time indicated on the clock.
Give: 11:44
